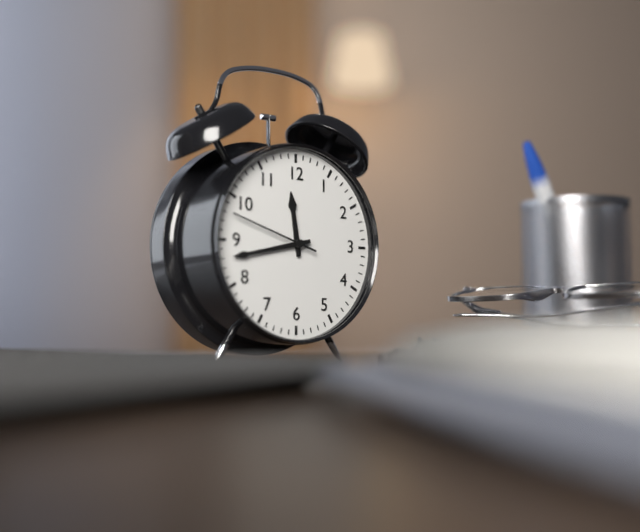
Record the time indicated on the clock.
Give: 11:43:48
